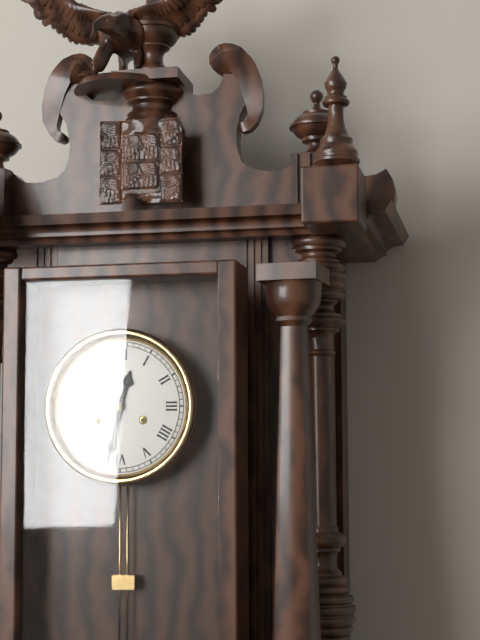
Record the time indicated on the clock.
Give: 12:32
